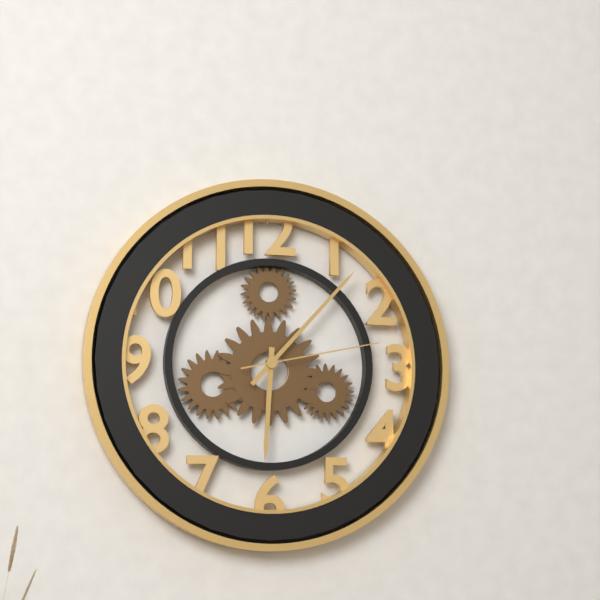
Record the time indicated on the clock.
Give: 6:07:13
